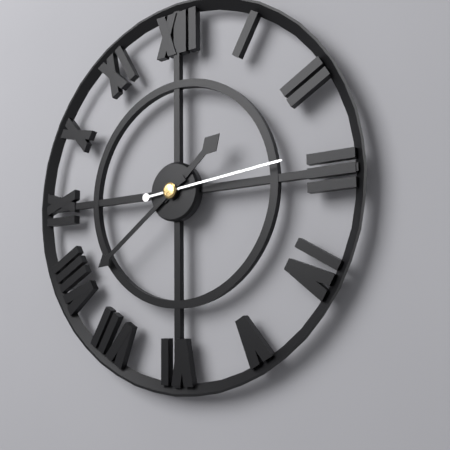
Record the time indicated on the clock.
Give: 1:39:14
